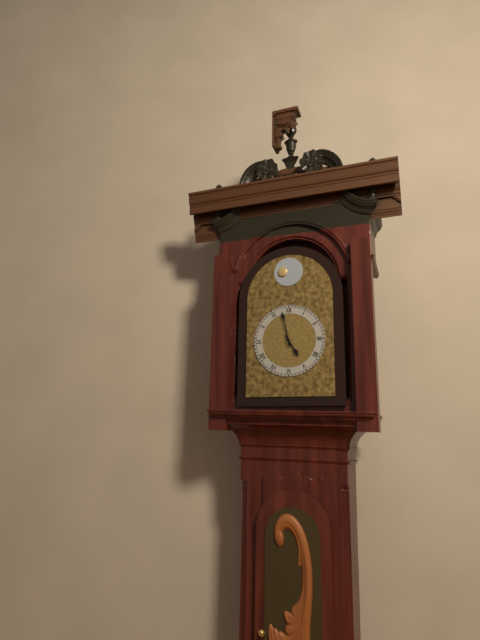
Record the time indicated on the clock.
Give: 4:58
